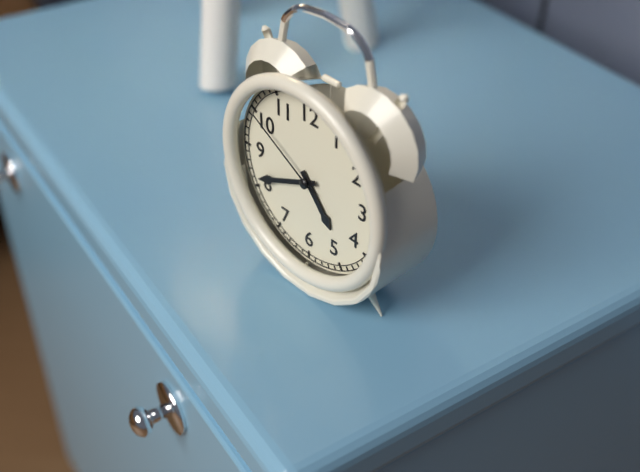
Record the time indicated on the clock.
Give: 4:41:50
